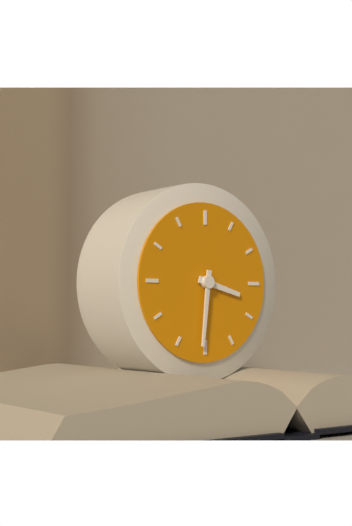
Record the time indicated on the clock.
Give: 3:31
